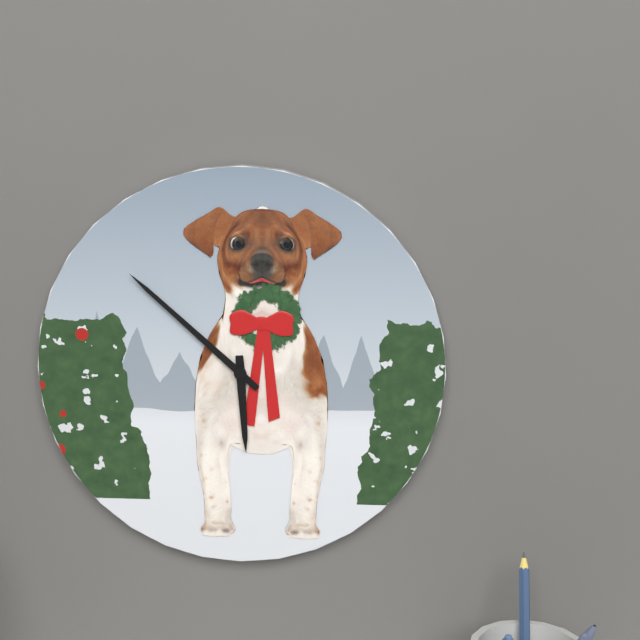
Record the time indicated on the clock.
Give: 5:52
